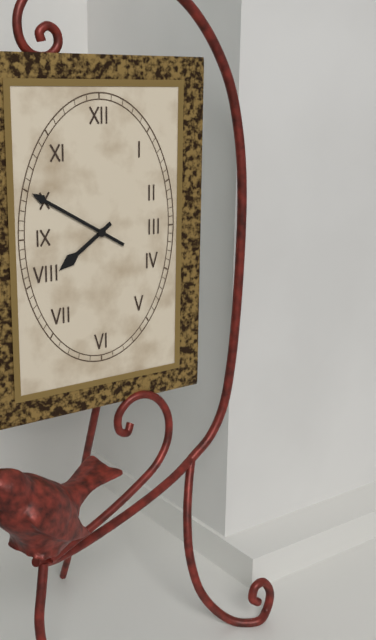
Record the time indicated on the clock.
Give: 7:50
